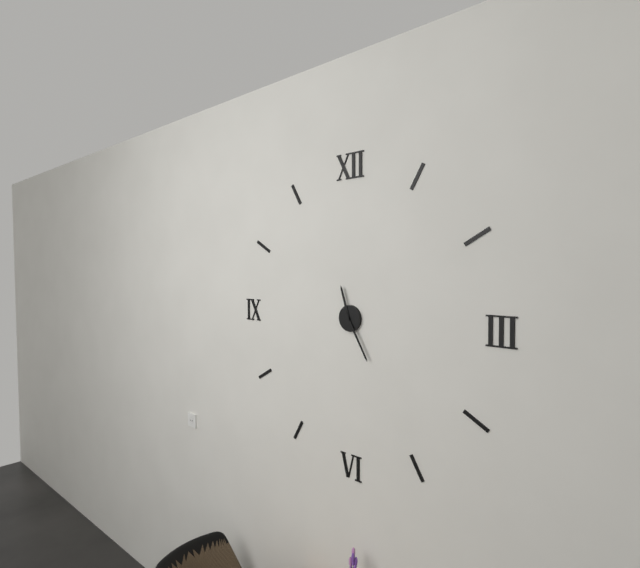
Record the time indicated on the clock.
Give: 11:25
